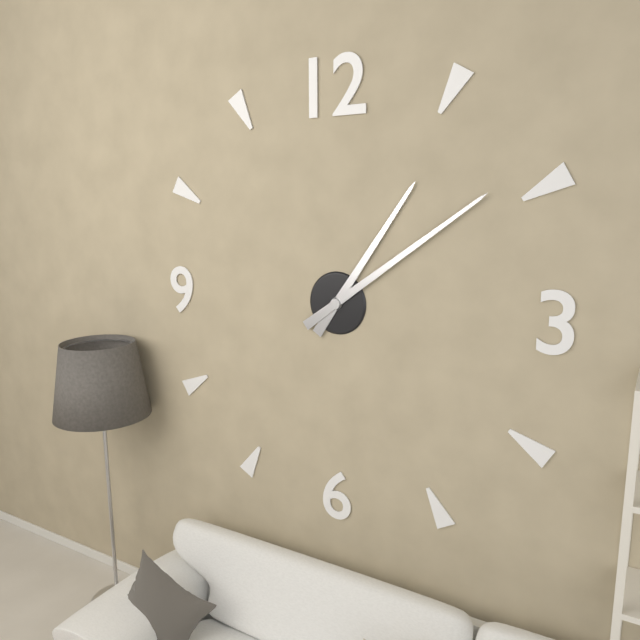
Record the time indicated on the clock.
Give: 1:09
